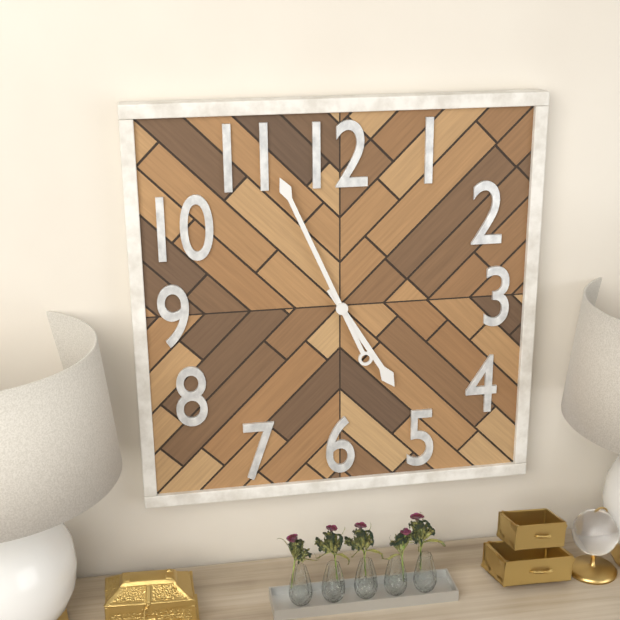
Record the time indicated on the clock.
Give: 4:56
